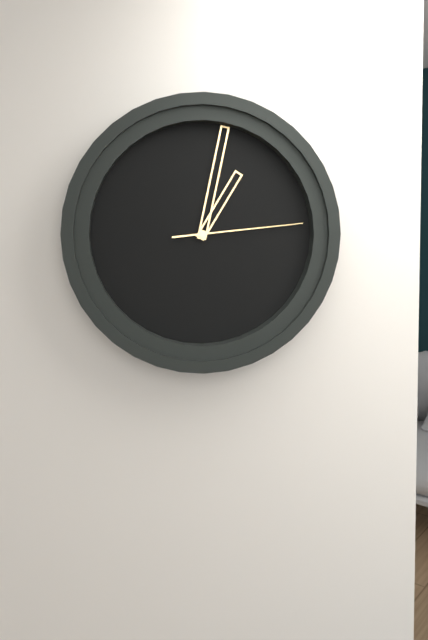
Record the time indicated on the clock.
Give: 1:02:14
